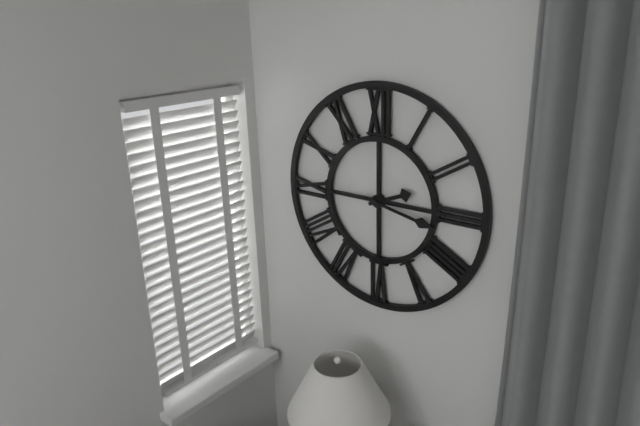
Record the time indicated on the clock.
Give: 2:17
